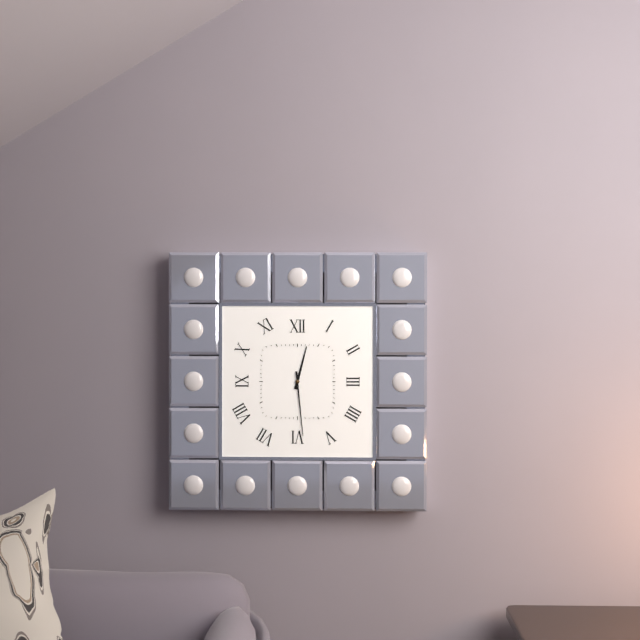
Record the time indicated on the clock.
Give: 12:29
